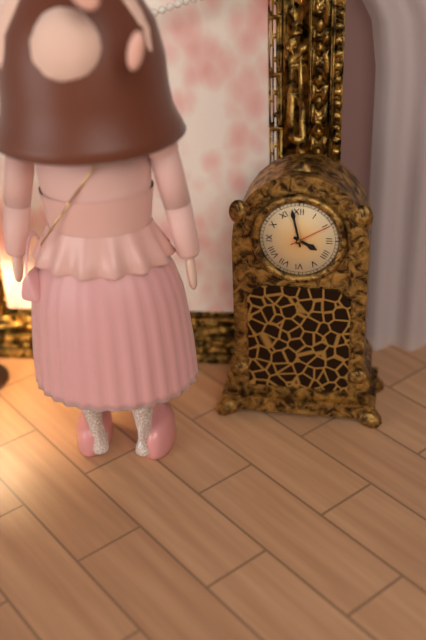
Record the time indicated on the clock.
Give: 3:58
